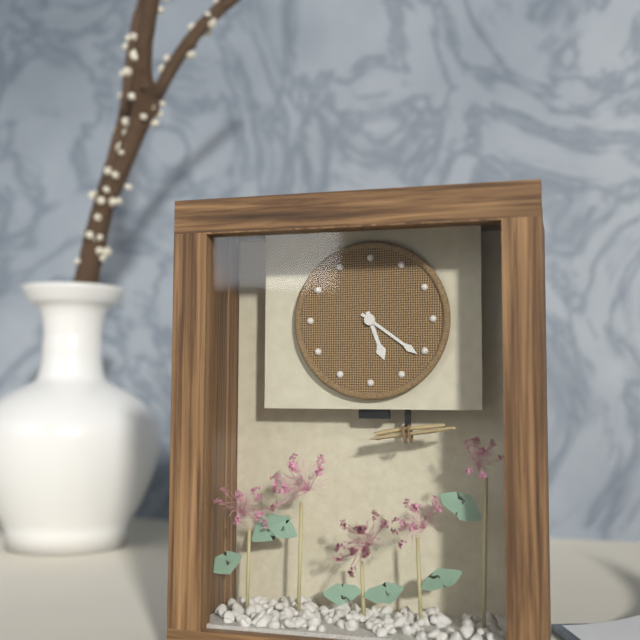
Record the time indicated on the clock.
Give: 5:21
